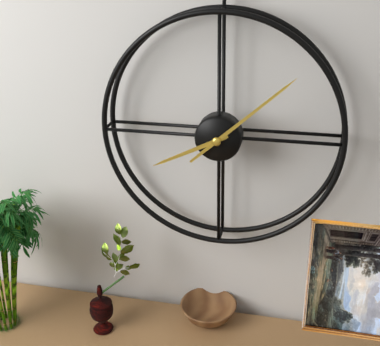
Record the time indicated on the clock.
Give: 8:08
